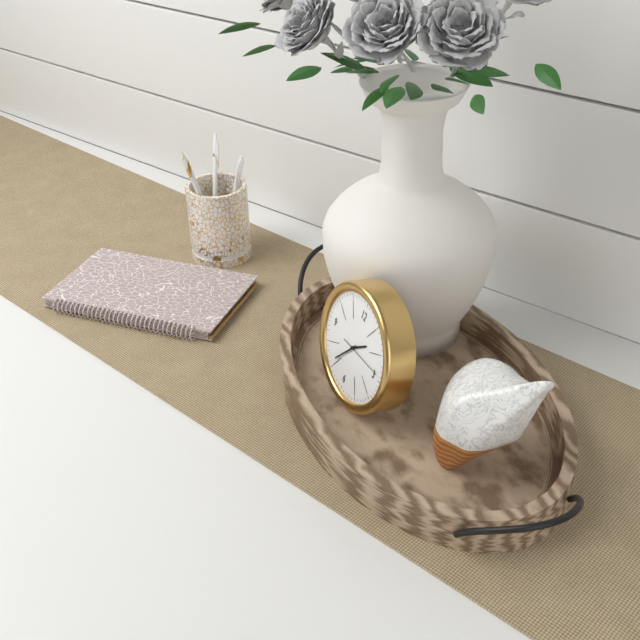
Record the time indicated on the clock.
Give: 1:36
